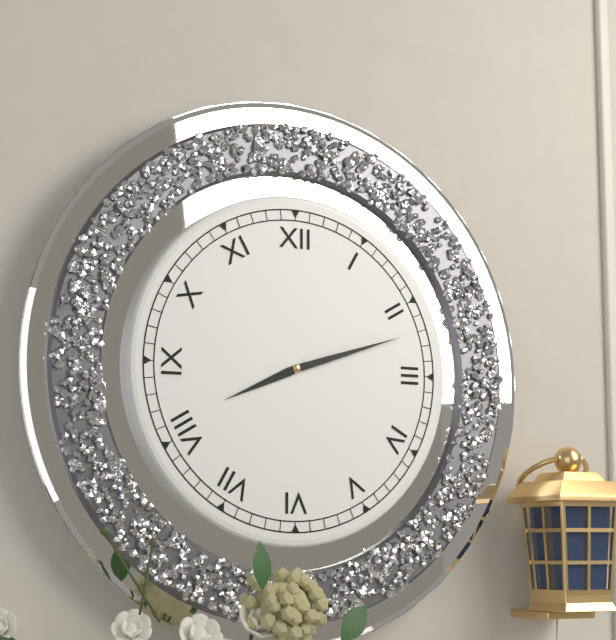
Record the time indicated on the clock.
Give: 8:12
